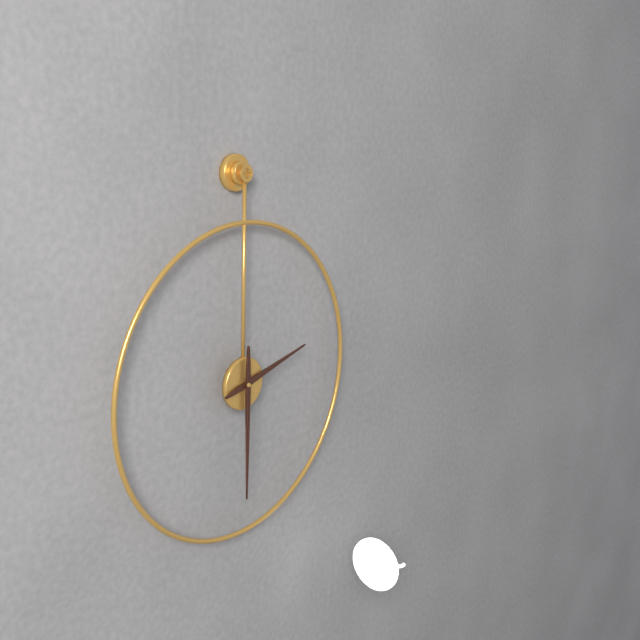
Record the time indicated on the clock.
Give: 2:30
